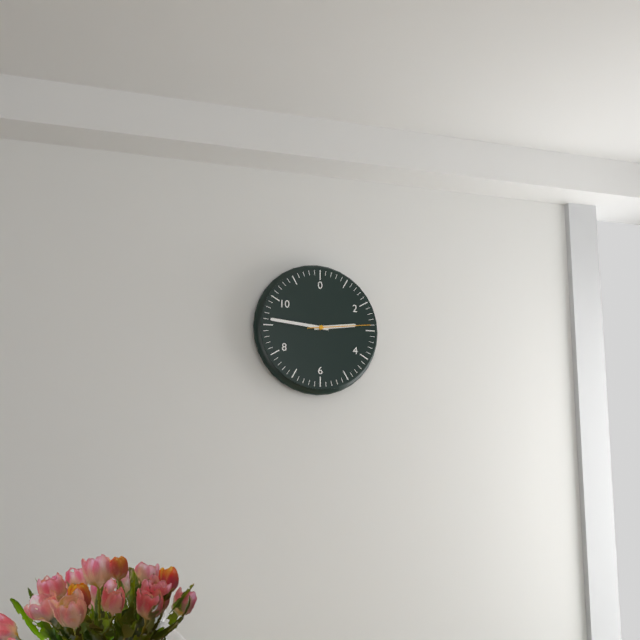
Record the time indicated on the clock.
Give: 2:46:14
